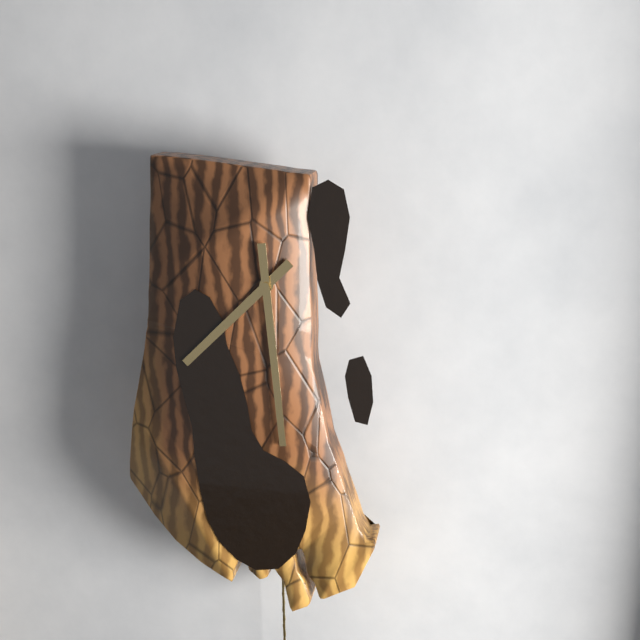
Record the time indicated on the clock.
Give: 7:29
